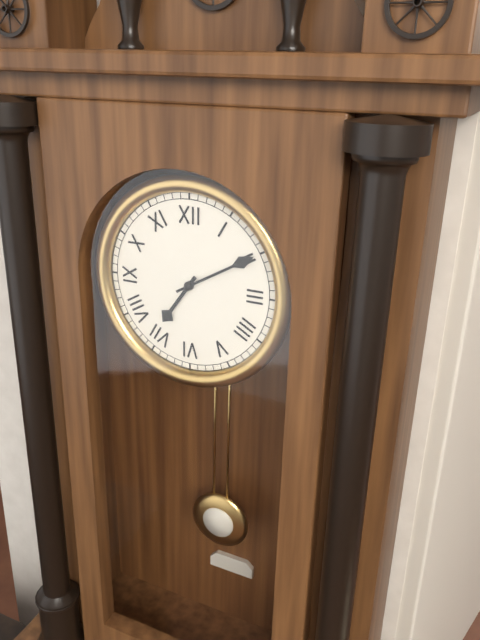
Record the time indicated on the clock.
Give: 7:10
